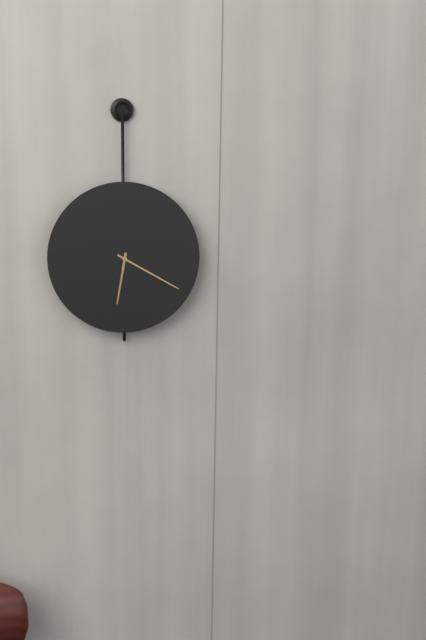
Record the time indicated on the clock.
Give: 6:20
